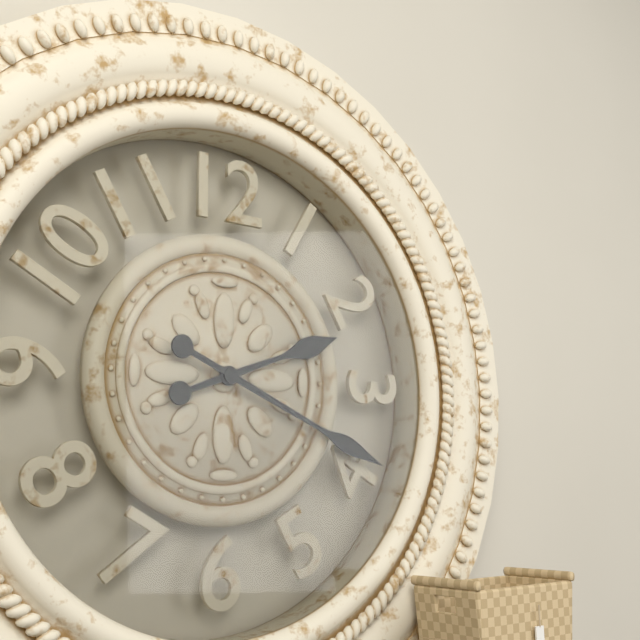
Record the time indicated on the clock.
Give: 2:19
